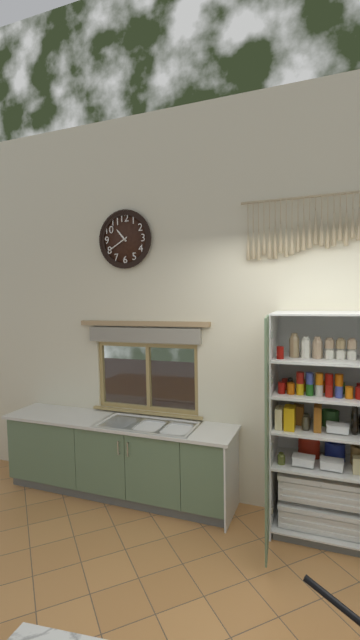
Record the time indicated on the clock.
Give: 10:40
